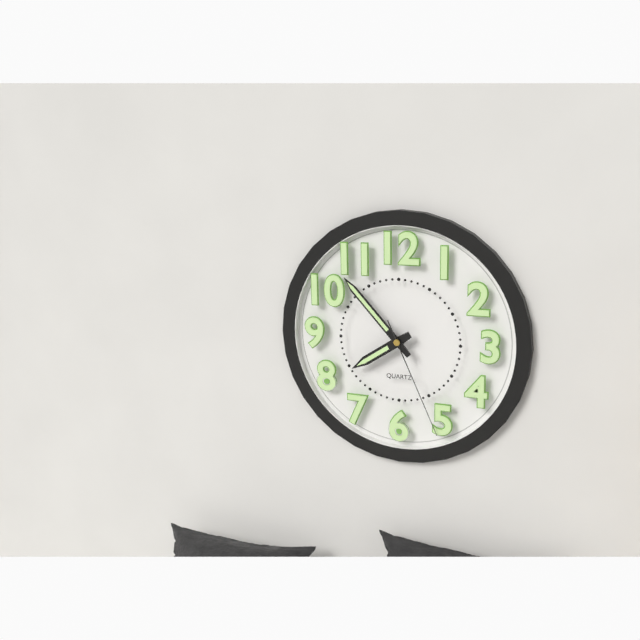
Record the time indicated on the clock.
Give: 7:53:26
